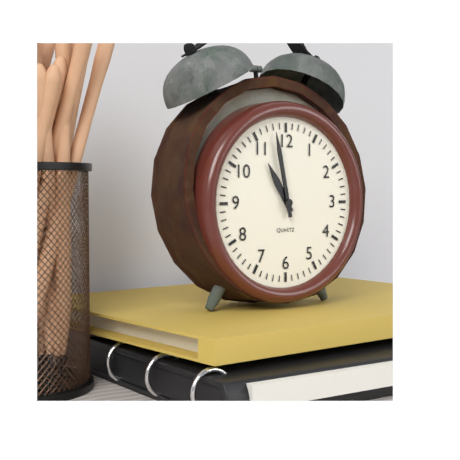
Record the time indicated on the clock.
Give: 10:58
